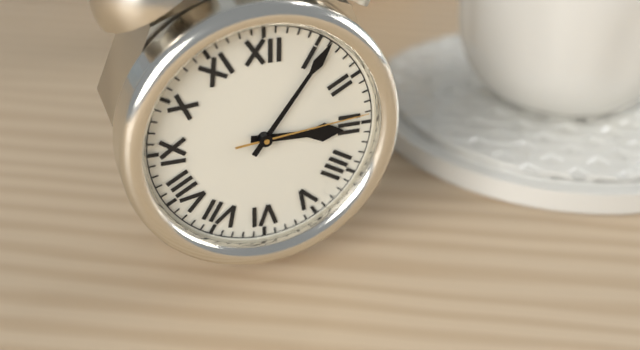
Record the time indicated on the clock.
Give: 3:06:14
